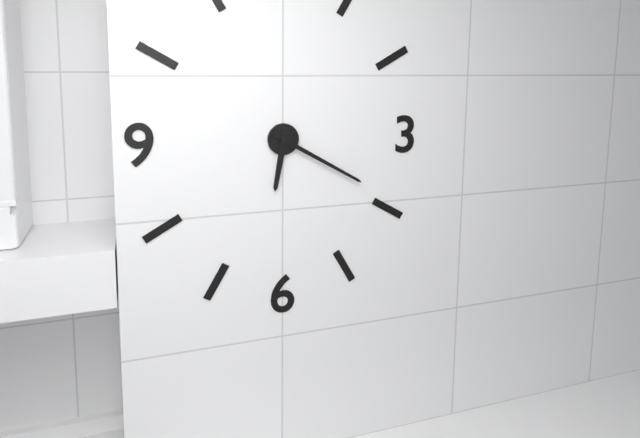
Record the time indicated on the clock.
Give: 6:20
